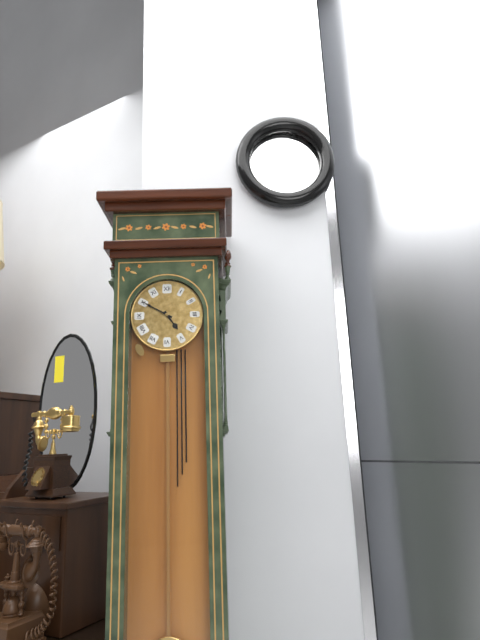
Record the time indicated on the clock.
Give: 4:50
